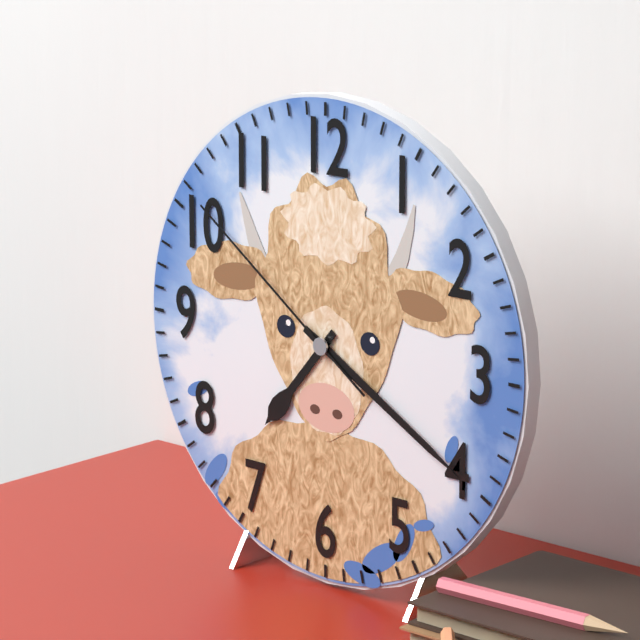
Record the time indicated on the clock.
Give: 7:20:51
